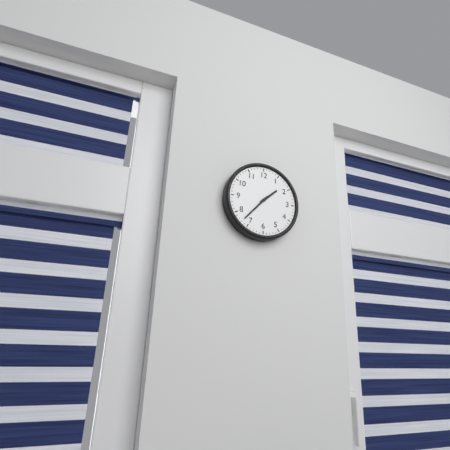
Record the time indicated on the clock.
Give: 1:37
